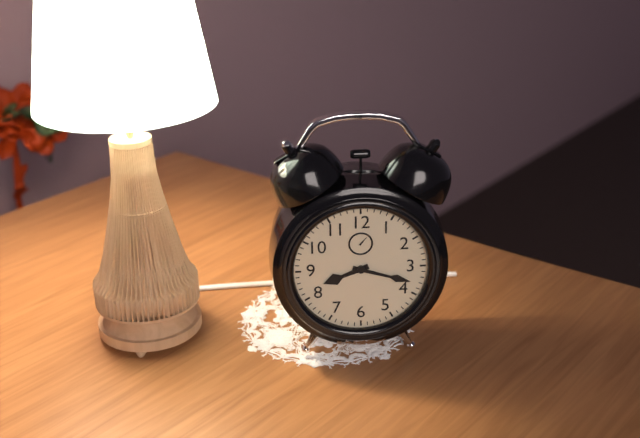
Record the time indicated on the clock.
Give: 8:18
